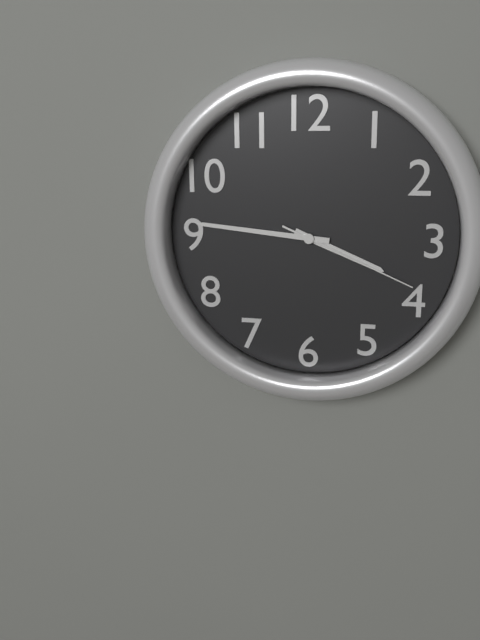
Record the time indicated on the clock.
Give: 3:46:19
